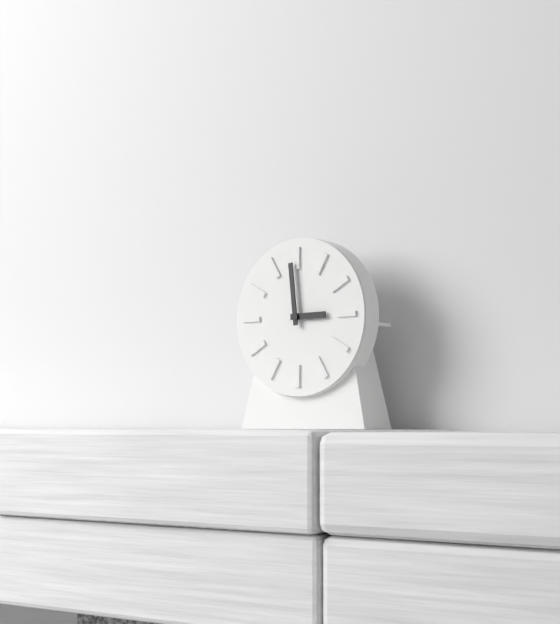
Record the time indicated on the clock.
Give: 2:59
